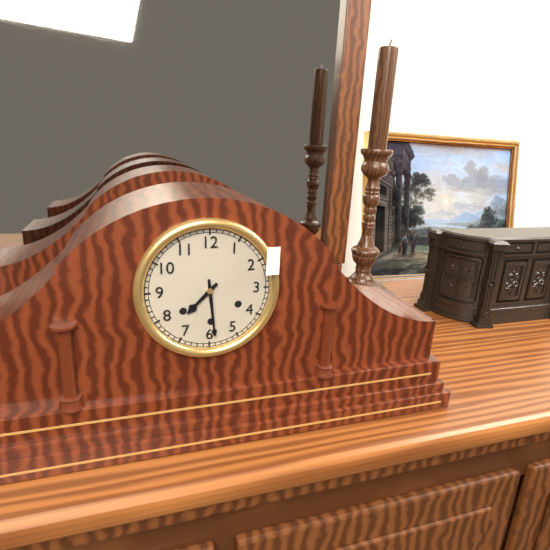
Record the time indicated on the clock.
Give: 7:29
